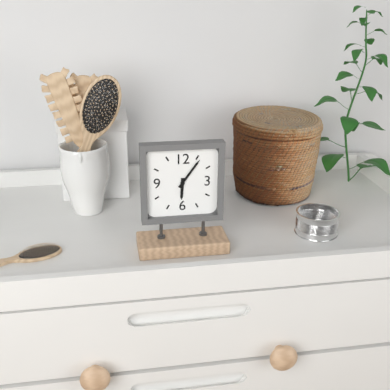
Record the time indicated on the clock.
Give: 6:06
